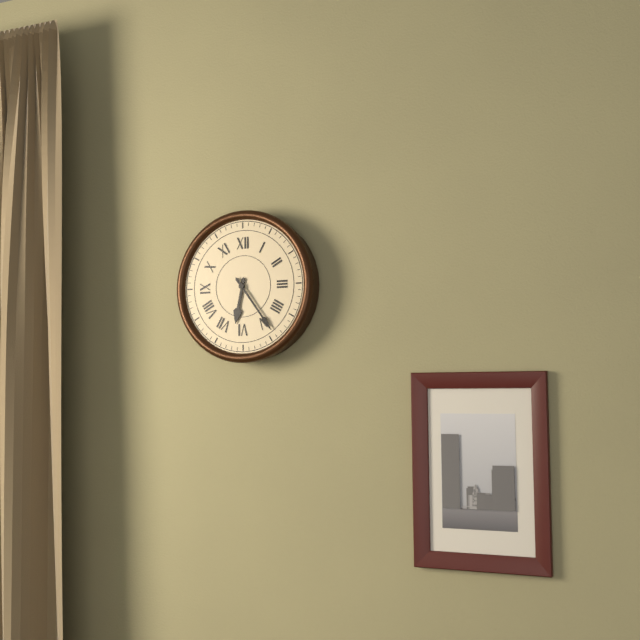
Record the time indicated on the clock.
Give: 6:24
